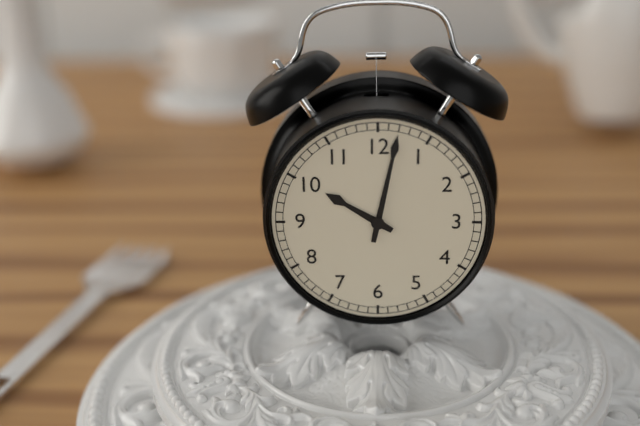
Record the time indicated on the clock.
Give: 10:02
